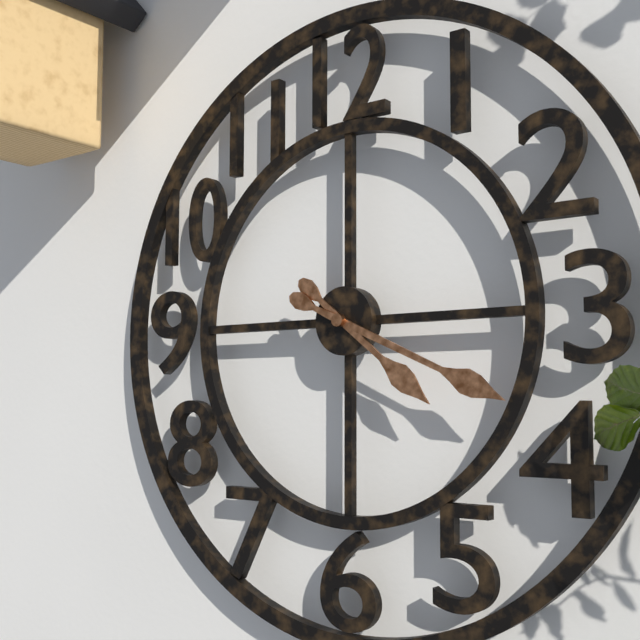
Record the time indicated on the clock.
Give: 4:19
